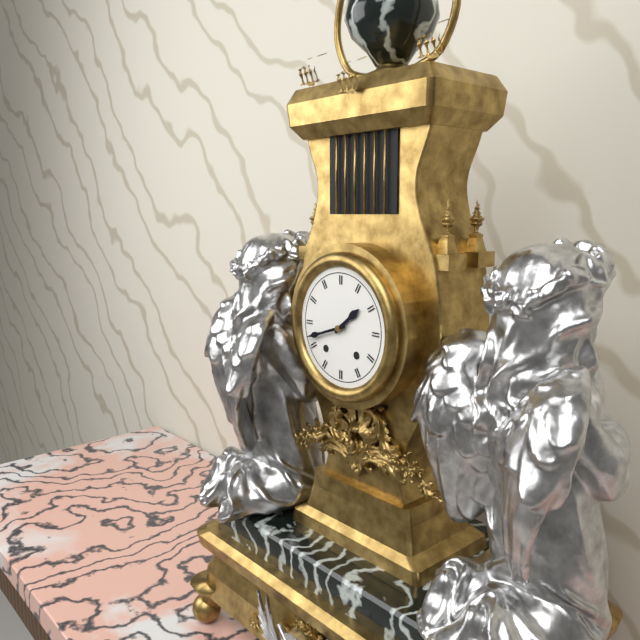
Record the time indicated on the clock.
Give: 1:42
